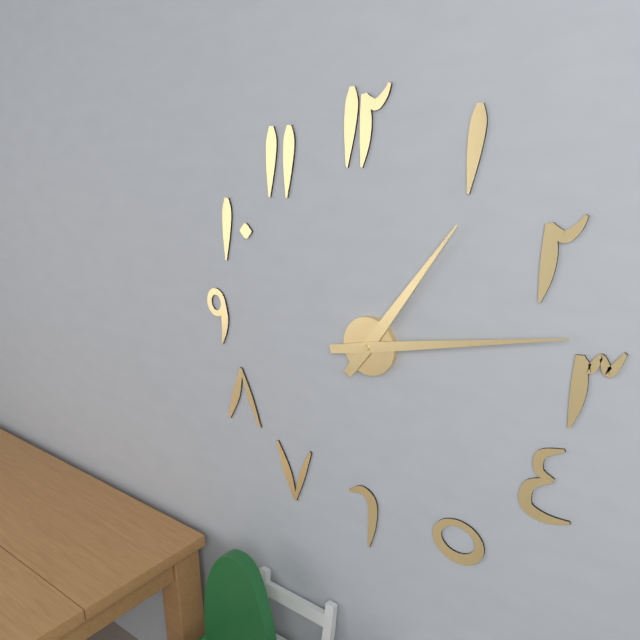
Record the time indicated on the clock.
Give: 1:13
